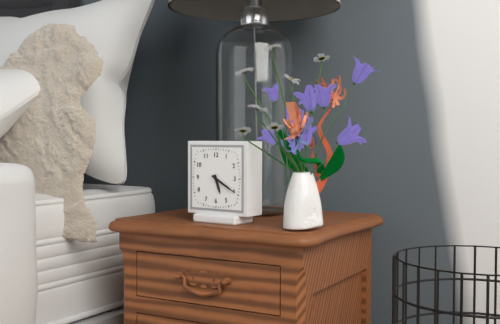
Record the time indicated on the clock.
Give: 5:20
